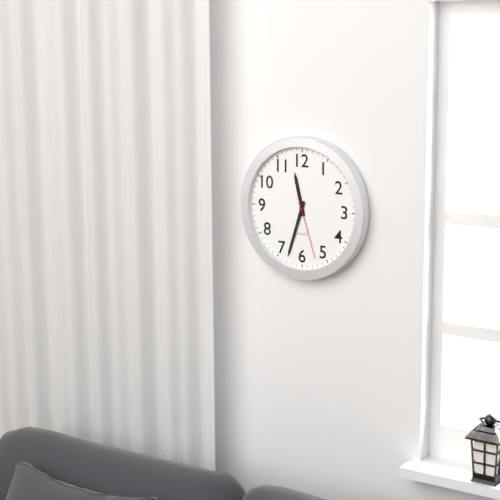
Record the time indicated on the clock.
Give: 11:33:27
